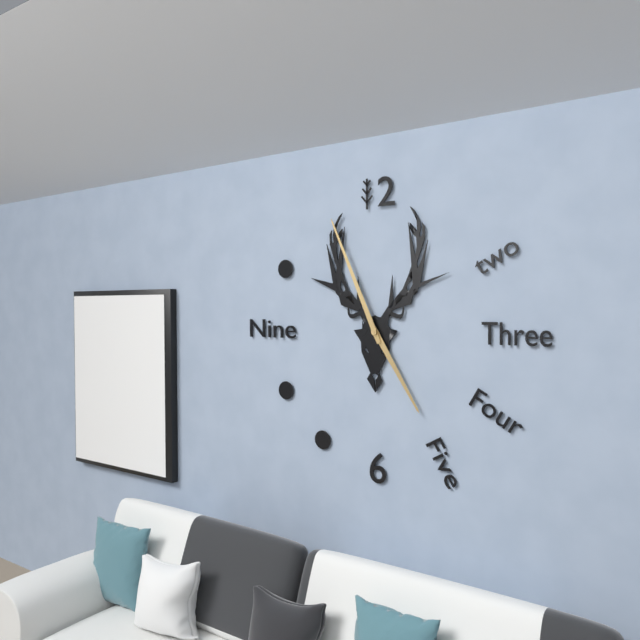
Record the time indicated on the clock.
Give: 4:56
